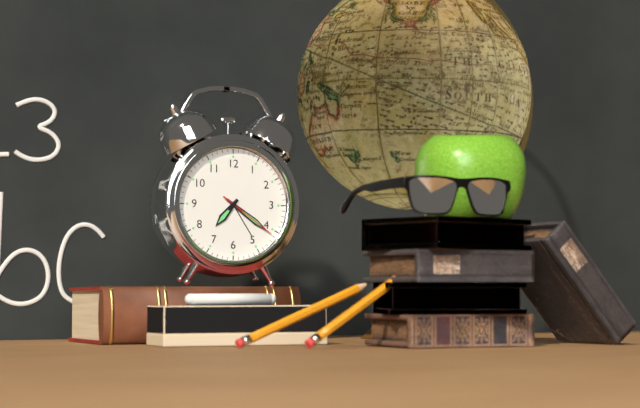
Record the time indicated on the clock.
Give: 7:21:21
